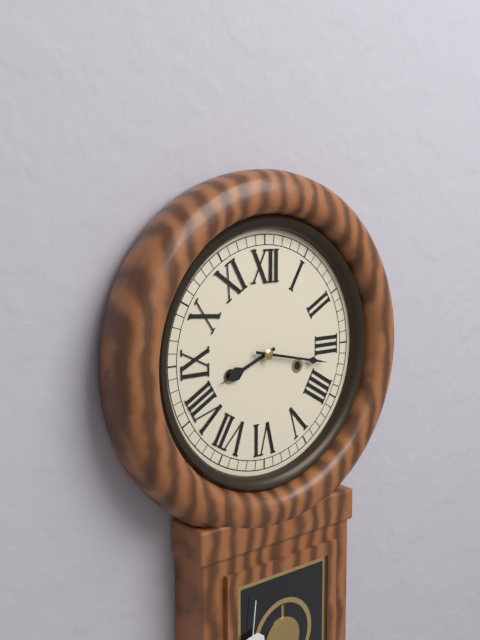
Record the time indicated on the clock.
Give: 8:17
